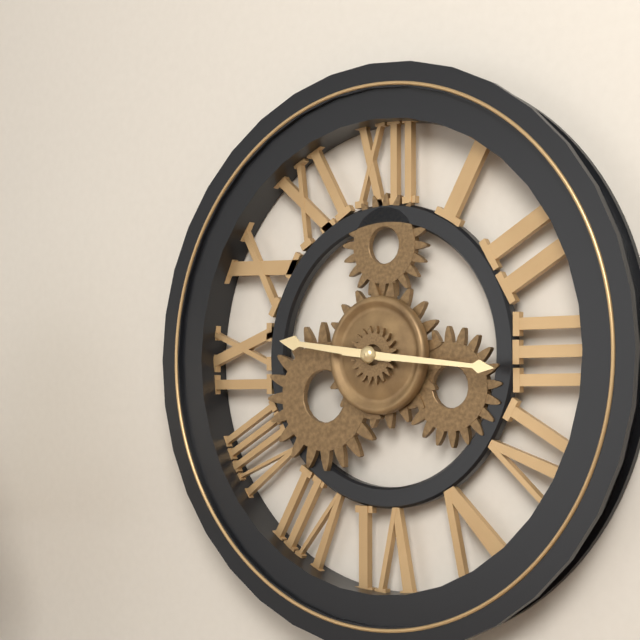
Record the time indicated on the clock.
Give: 9:16
